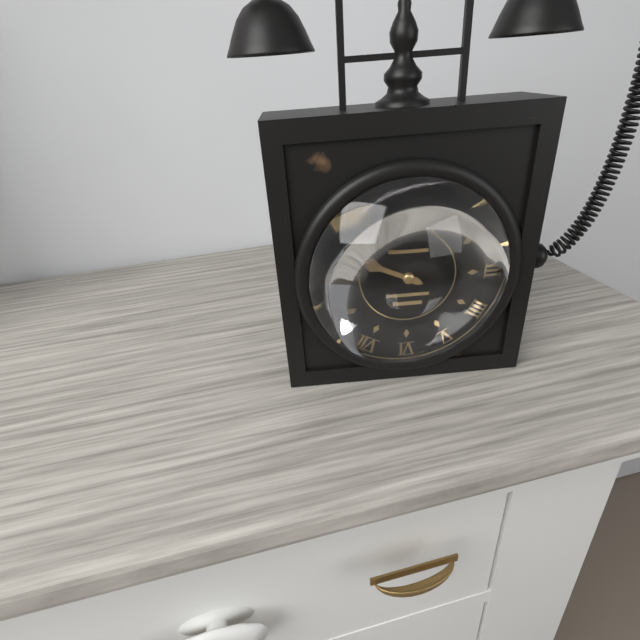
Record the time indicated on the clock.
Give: 9:49
